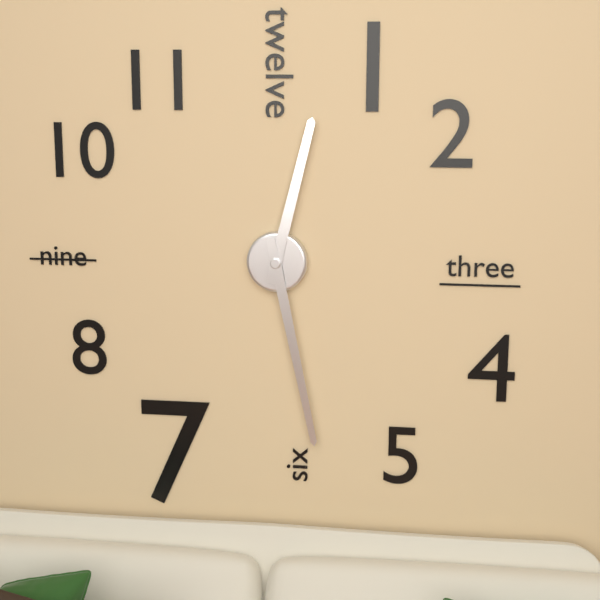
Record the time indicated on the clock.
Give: 12:28
